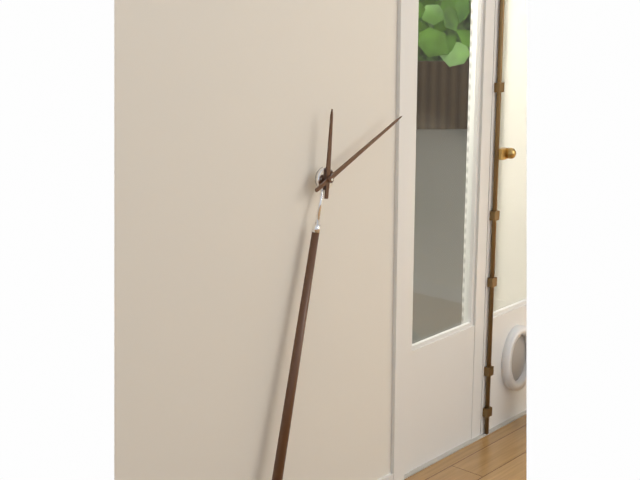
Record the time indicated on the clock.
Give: 12:11
